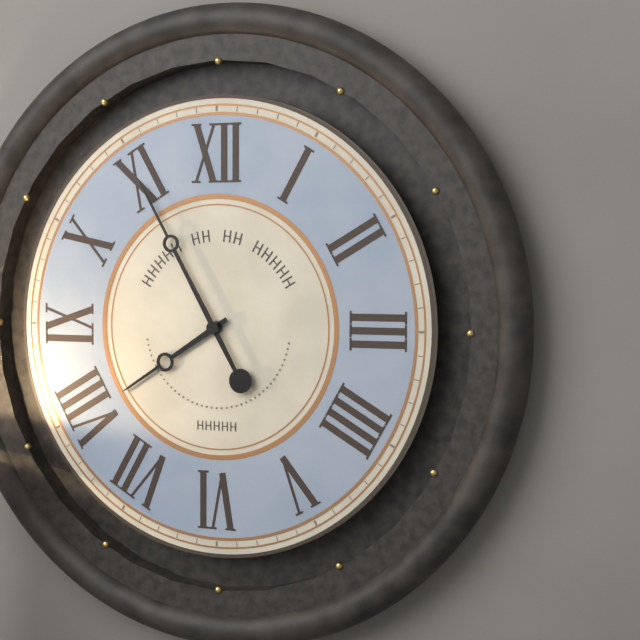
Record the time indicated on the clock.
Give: 7:55
